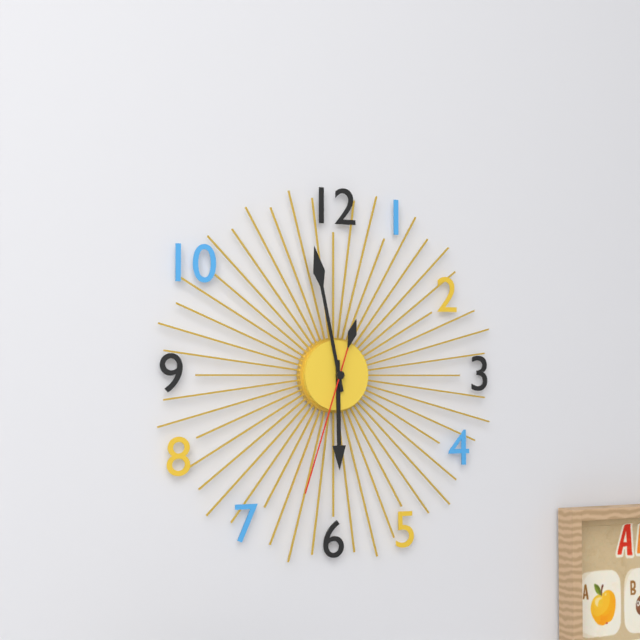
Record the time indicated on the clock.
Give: 5:58:33
